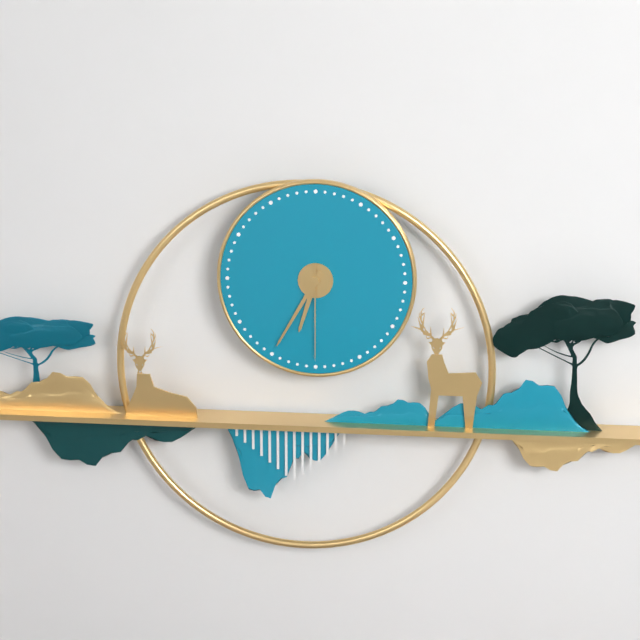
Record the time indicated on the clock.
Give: 6:35:30
